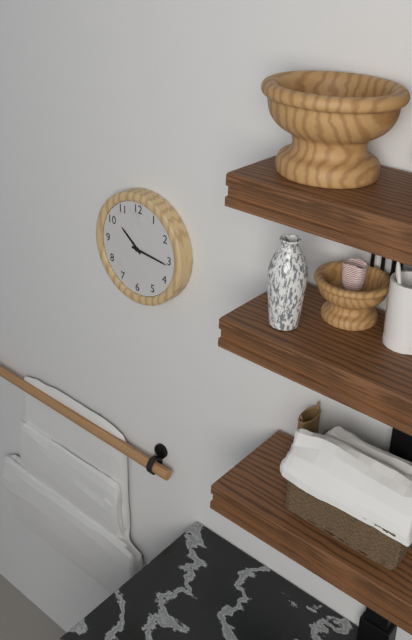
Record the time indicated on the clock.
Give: 10:16
